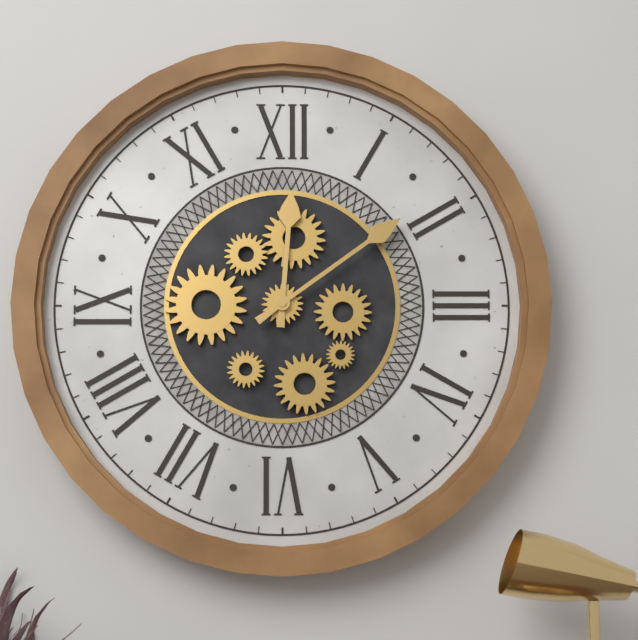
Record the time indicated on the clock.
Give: 12:09
